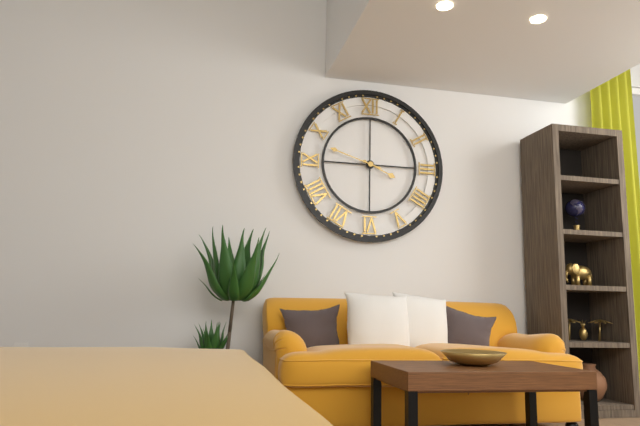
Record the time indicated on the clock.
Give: 3:48
